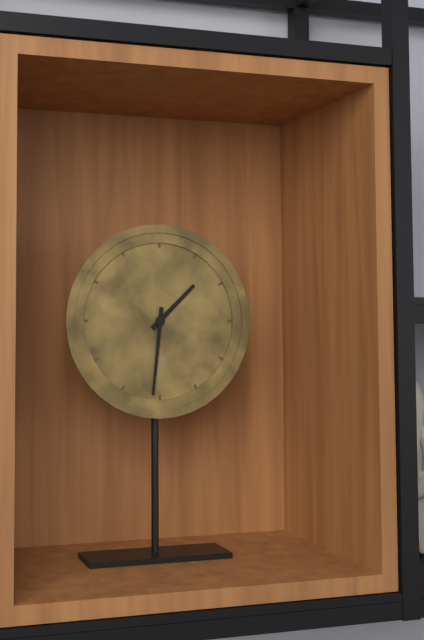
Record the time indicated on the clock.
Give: 1:31
